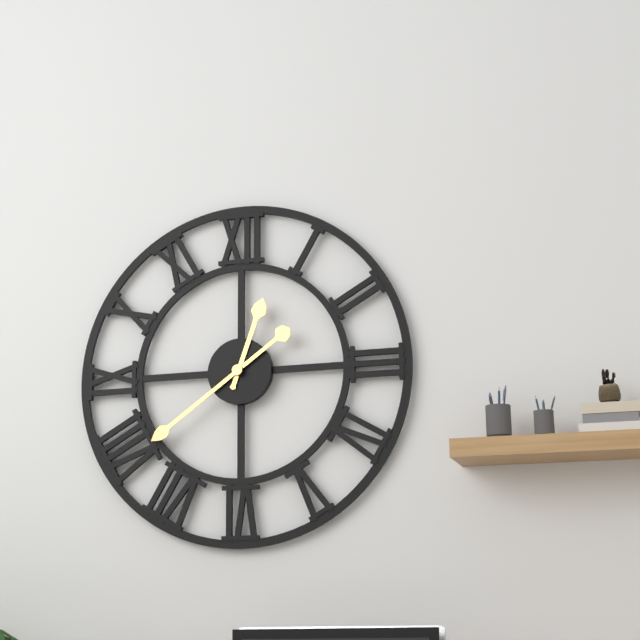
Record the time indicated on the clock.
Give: 12:39
